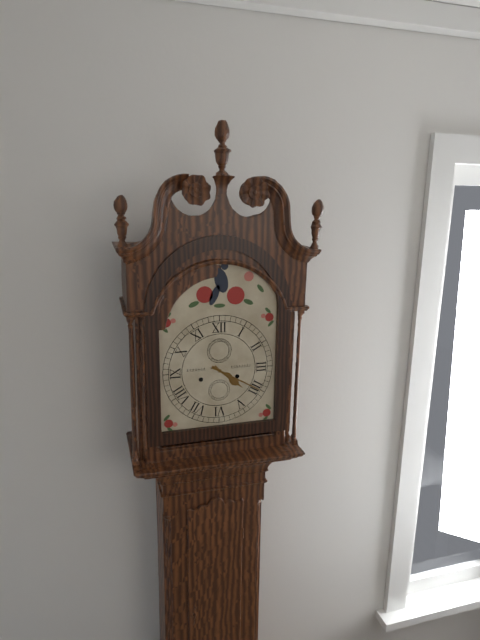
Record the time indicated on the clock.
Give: 4:20
